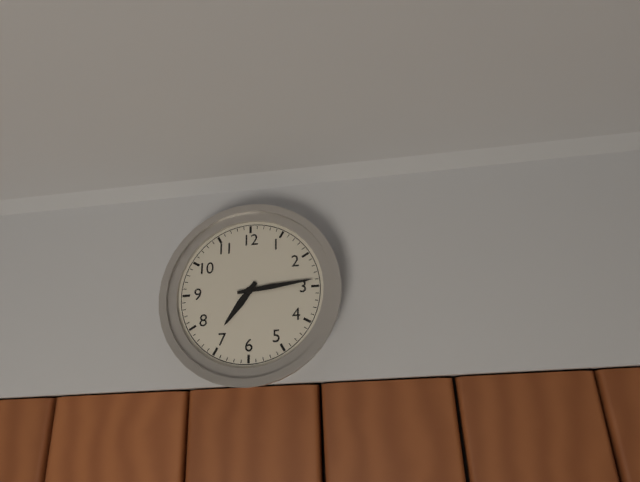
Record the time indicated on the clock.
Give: 7:14
